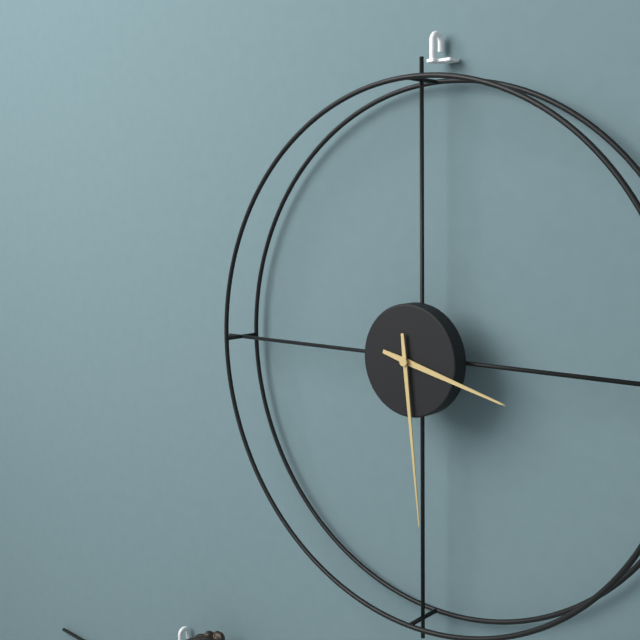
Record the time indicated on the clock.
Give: 3:29
